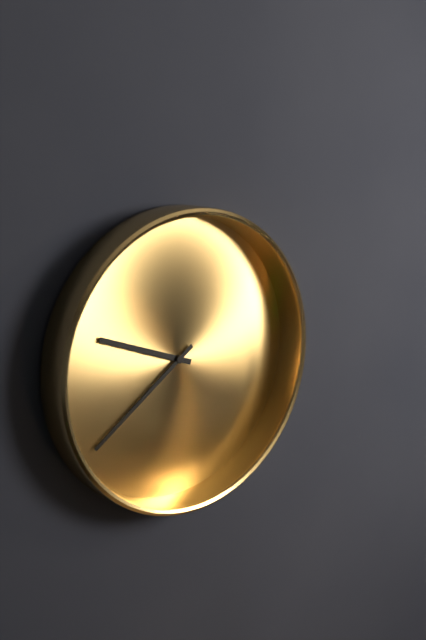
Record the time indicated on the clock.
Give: 9:39
